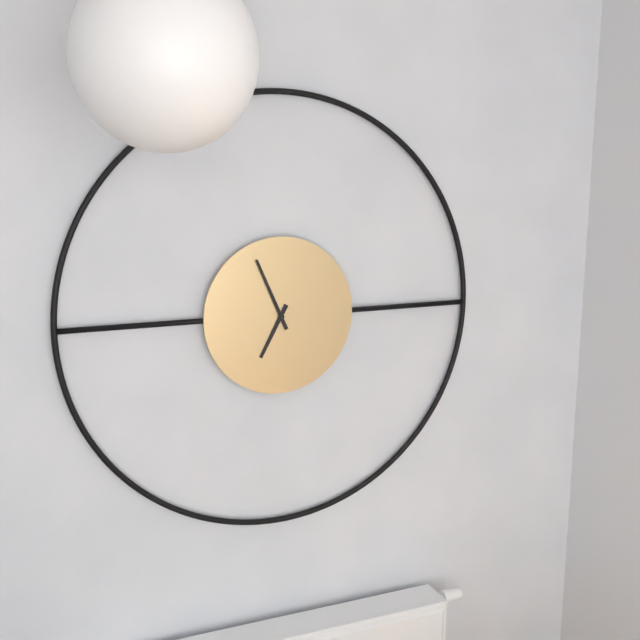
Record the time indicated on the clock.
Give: 6:56
